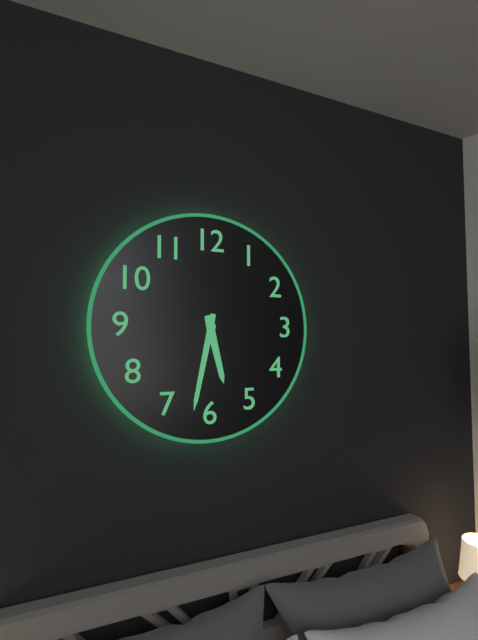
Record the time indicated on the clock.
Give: 5:32
